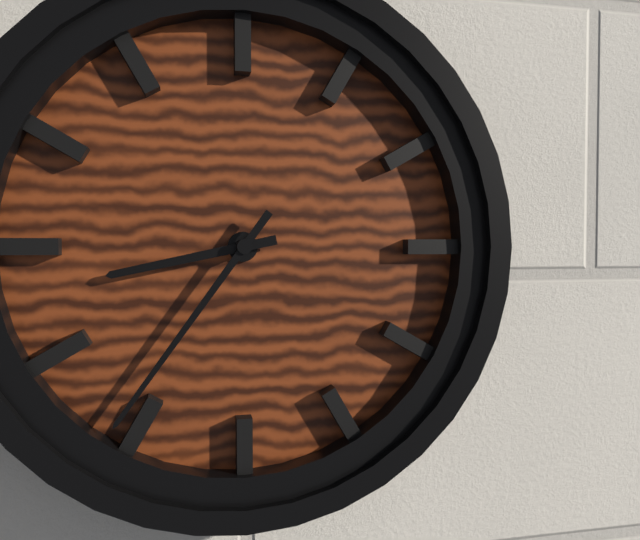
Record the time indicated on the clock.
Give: 8:36
